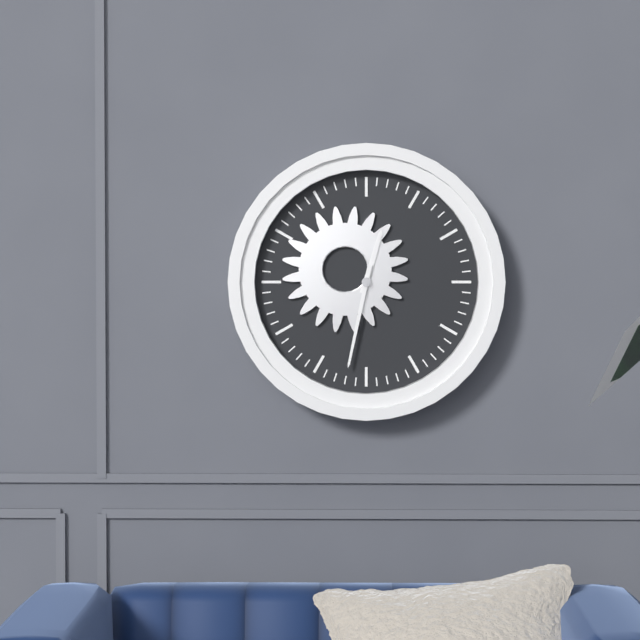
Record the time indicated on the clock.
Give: 12:32
